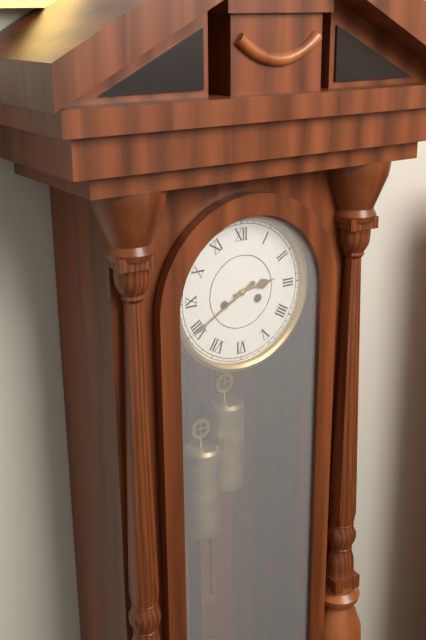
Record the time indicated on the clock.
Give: 2:40
